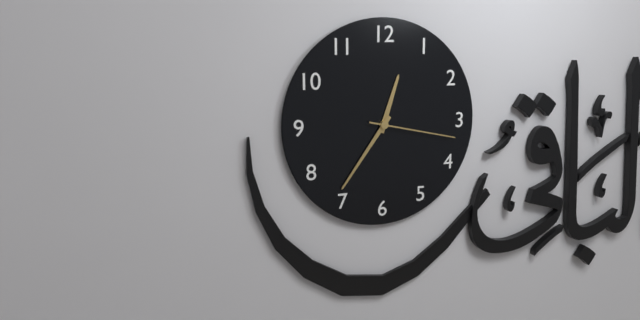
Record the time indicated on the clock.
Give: 12:36:17
